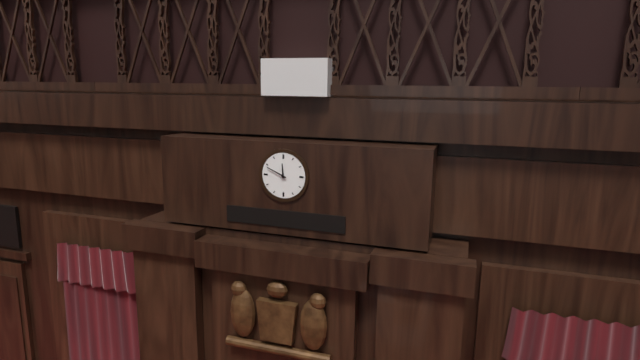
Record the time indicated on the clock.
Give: 11:49
